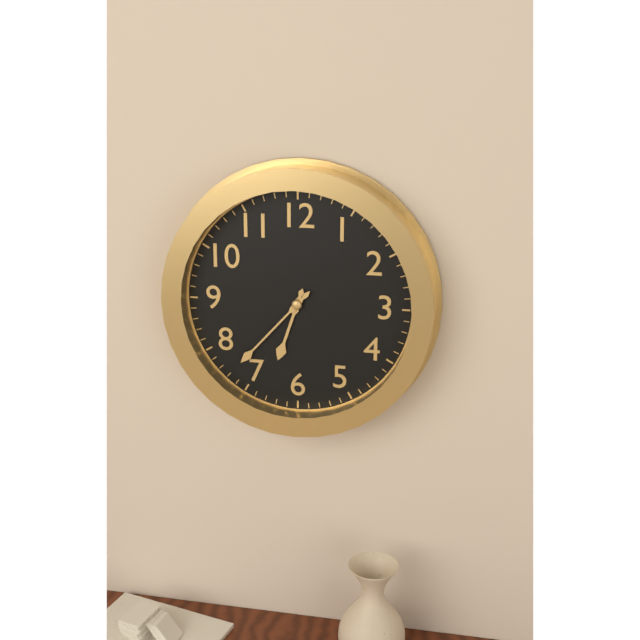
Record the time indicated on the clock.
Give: 6:37
